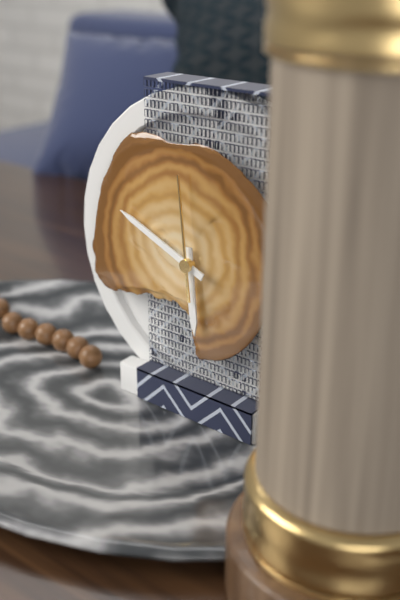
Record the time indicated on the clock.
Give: 5:49:59
